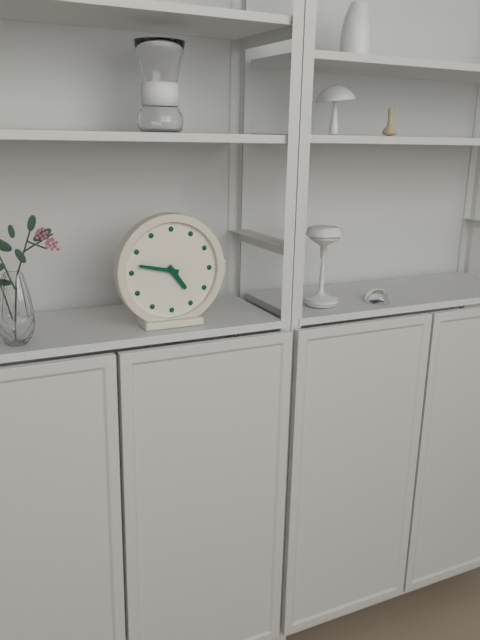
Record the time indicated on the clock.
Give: 4:47
